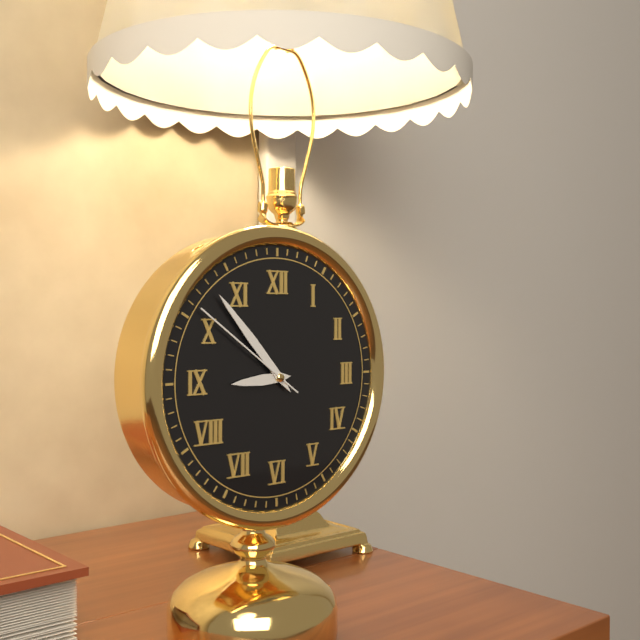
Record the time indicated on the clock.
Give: 8:53:51
